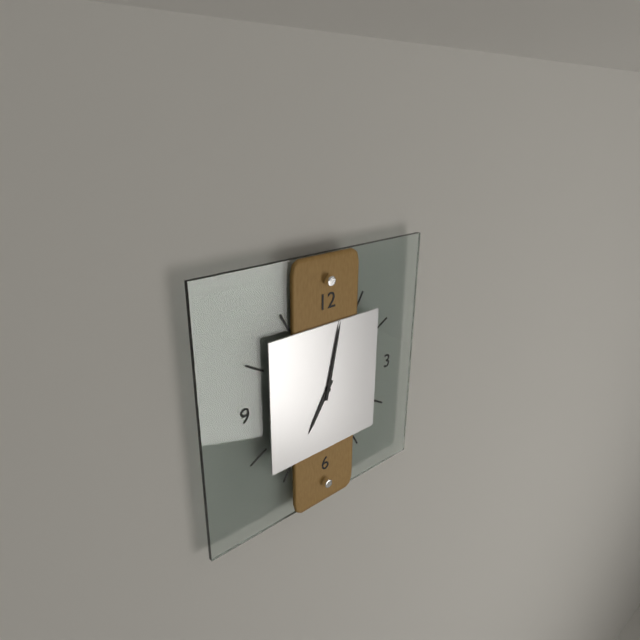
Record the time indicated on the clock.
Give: 7:02
